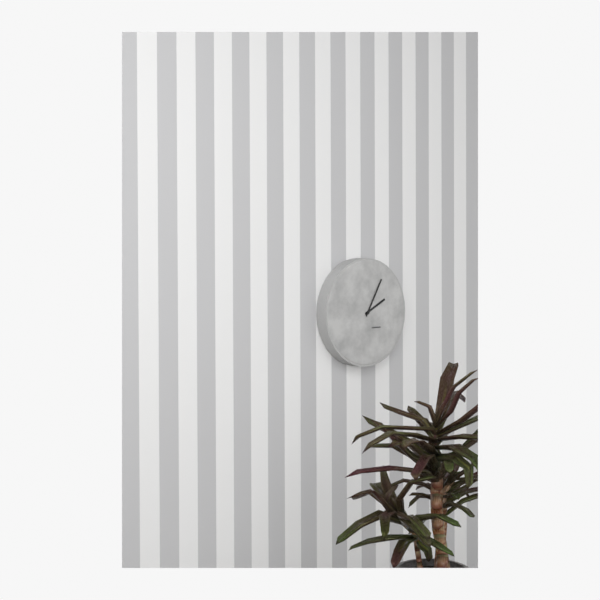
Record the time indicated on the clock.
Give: 2:05
